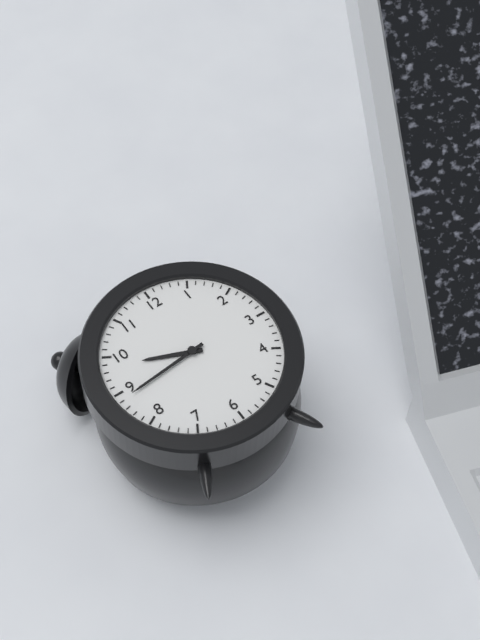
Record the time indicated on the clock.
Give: 9:44
